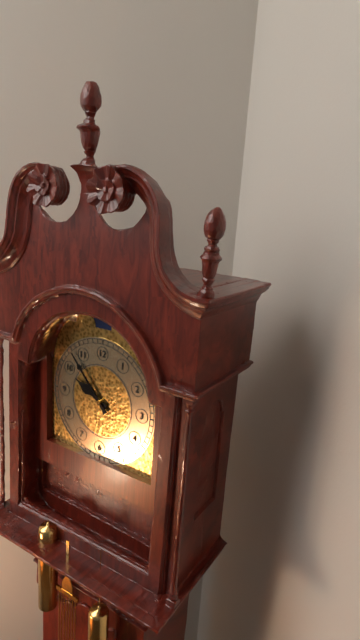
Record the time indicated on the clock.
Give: 9:53
